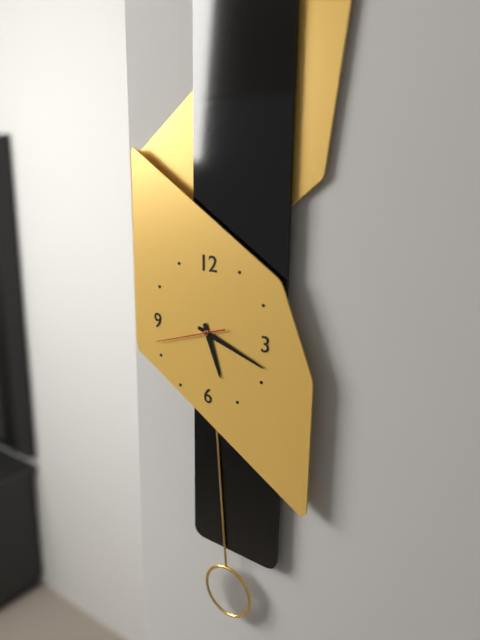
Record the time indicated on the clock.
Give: 5:18:42
